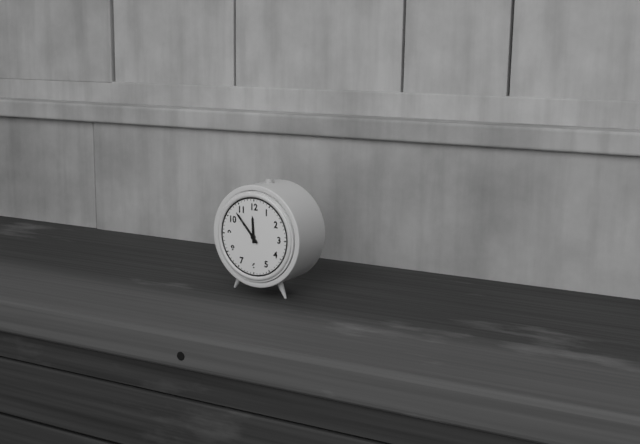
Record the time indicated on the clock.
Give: 11:53
